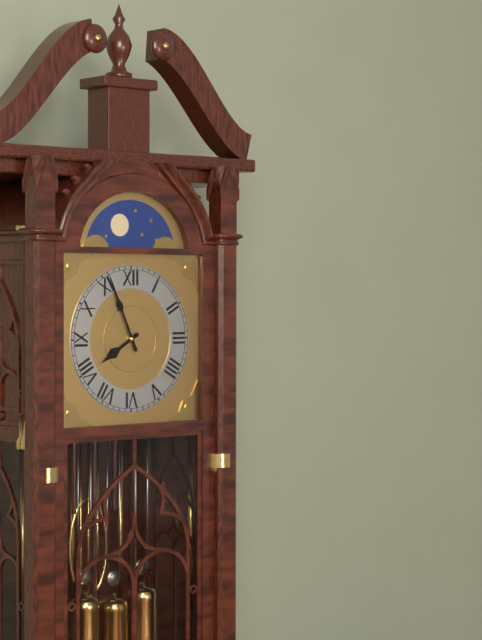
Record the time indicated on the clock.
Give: 7:56
